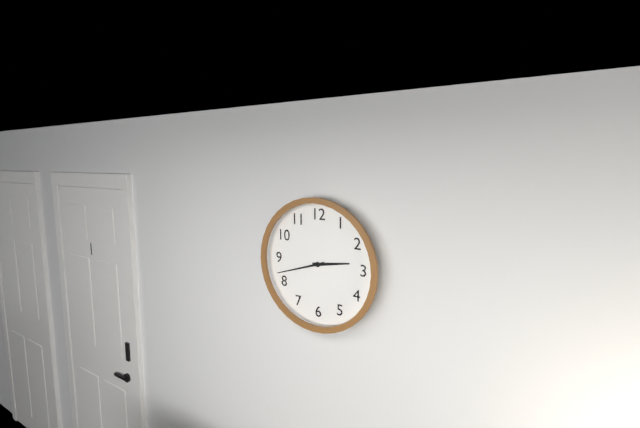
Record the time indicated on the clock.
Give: 2:42
